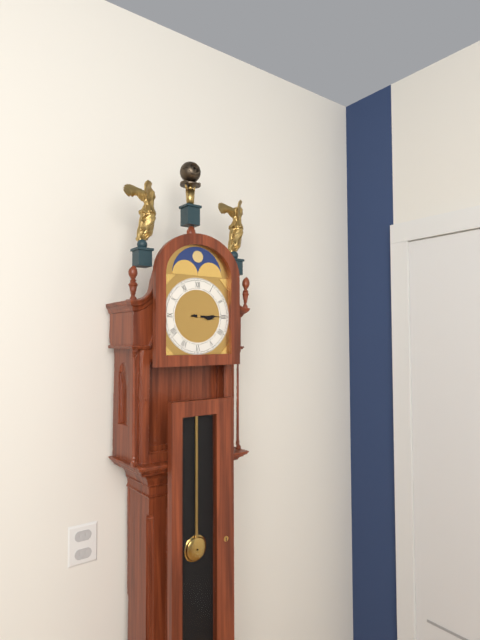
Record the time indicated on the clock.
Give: 3:15
